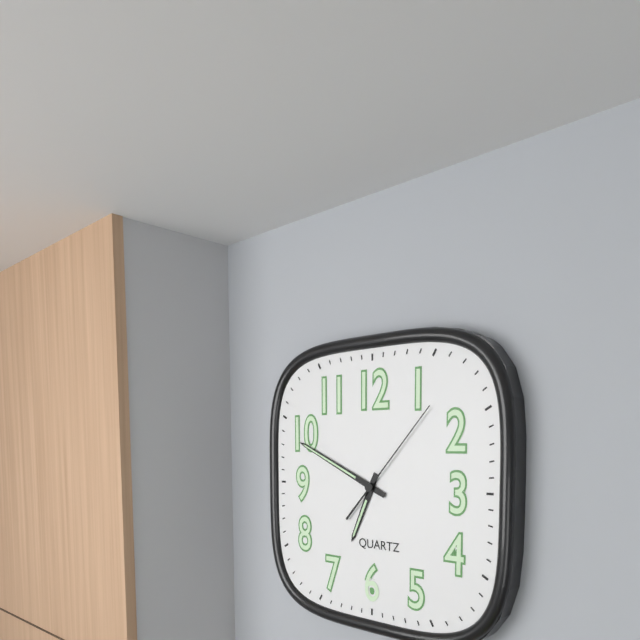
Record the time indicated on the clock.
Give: 6:49:07
